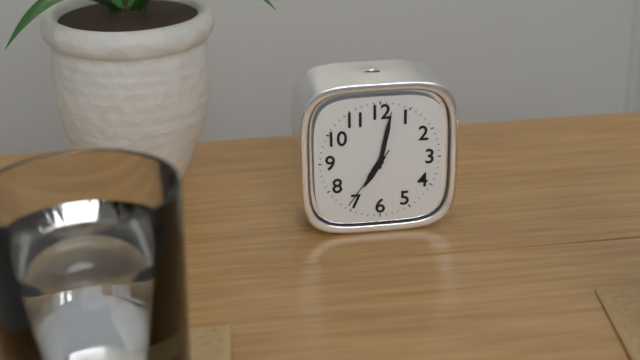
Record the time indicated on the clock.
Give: 7:02:36
